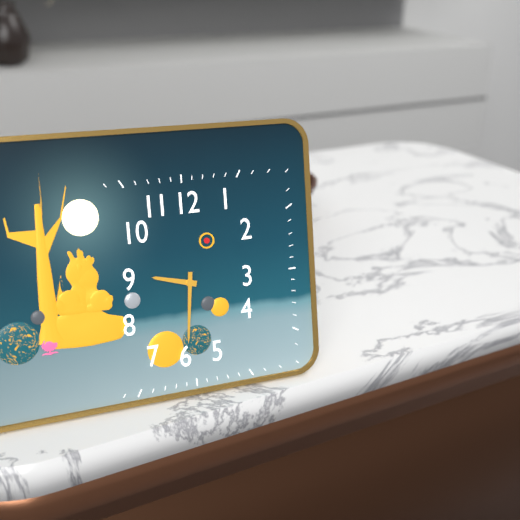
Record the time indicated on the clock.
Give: 9:31
